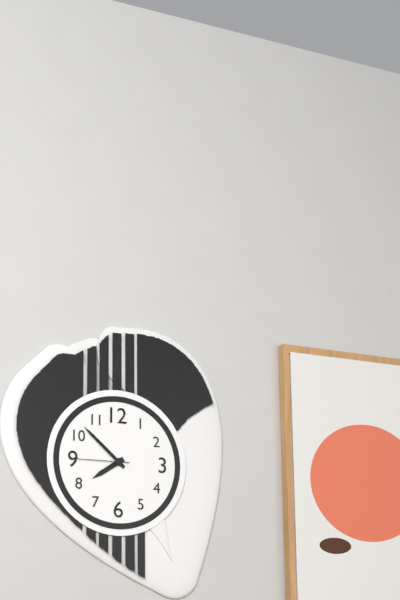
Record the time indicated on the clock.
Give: 7:52:45
